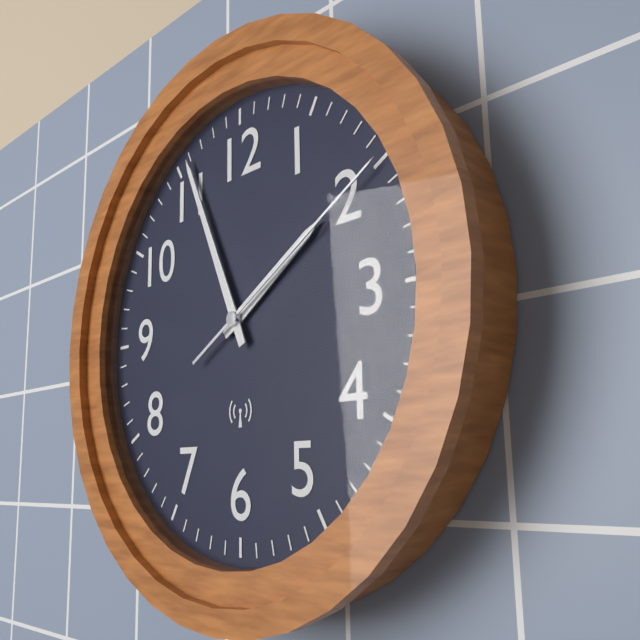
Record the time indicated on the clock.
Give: 1:56:10
